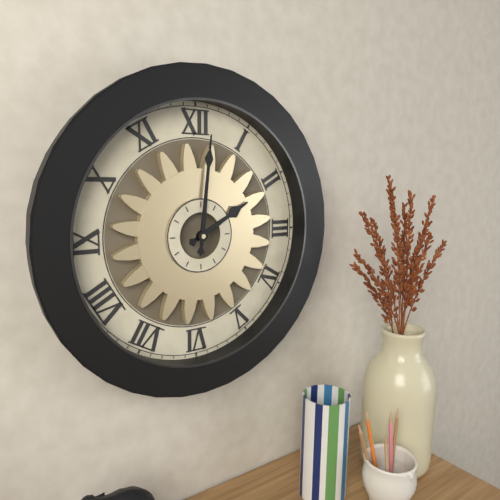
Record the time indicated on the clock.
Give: 2:01
